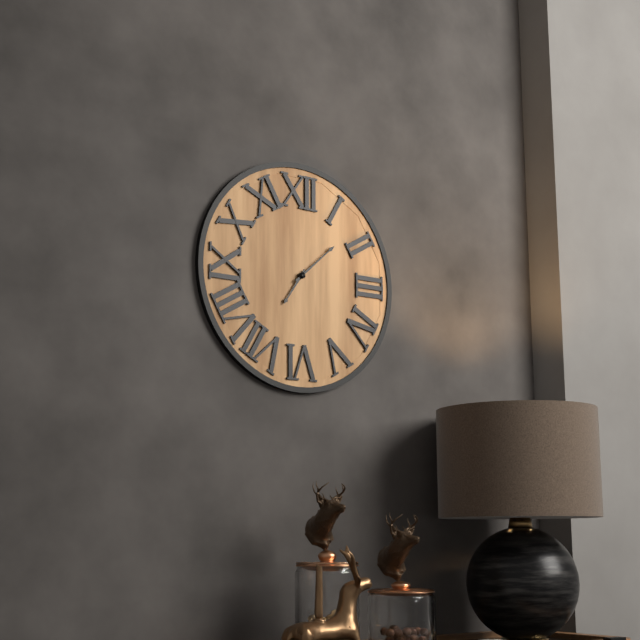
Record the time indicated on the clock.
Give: 7:08
